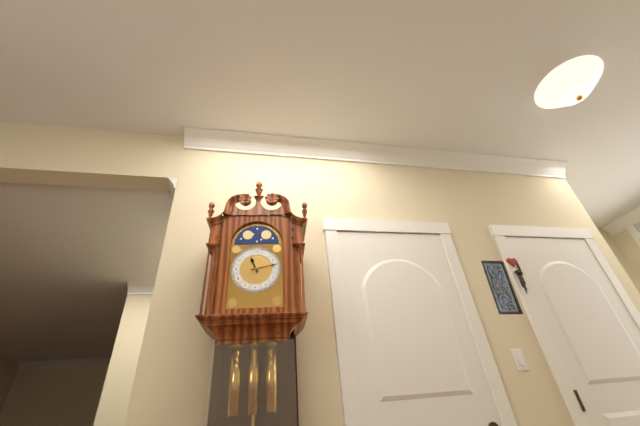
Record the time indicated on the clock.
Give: 11:13
